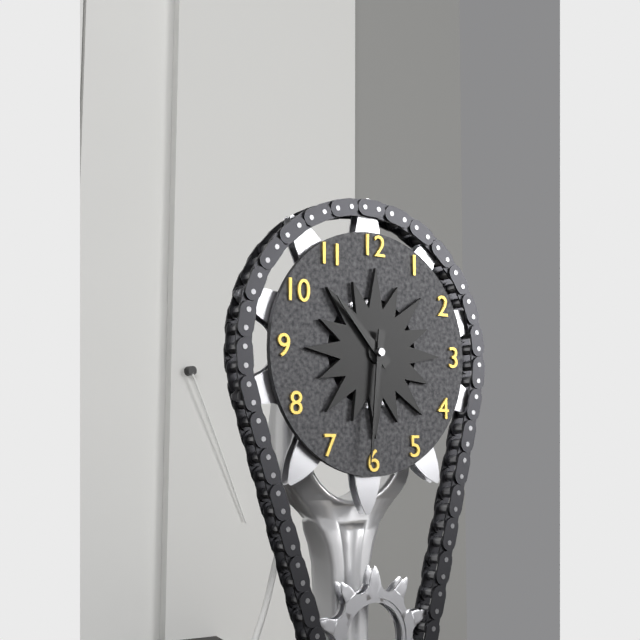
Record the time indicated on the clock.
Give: 10:31
